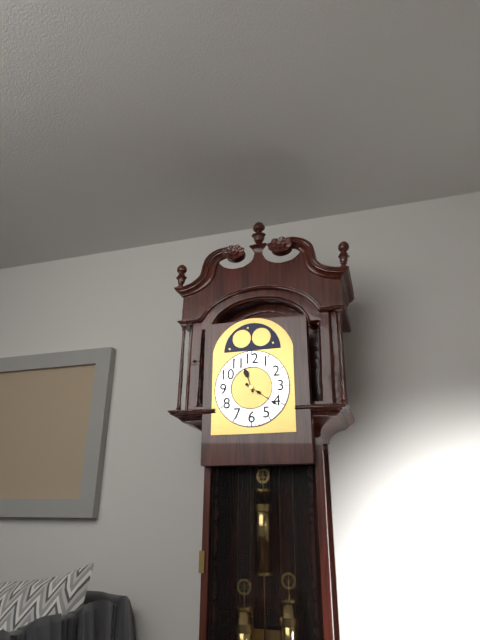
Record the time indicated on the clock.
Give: 11:21
